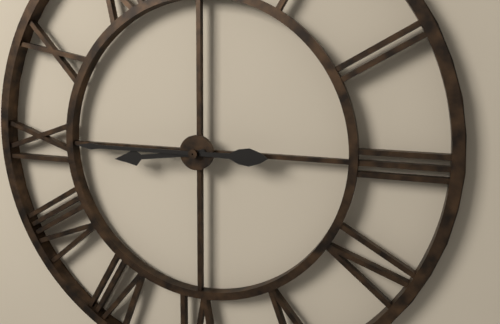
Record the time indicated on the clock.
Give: 8:45
